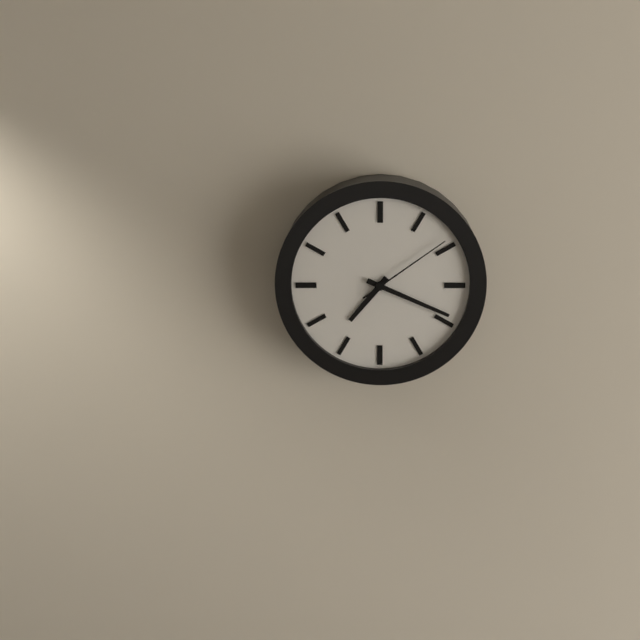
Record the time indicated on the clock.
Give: 7:19:09
